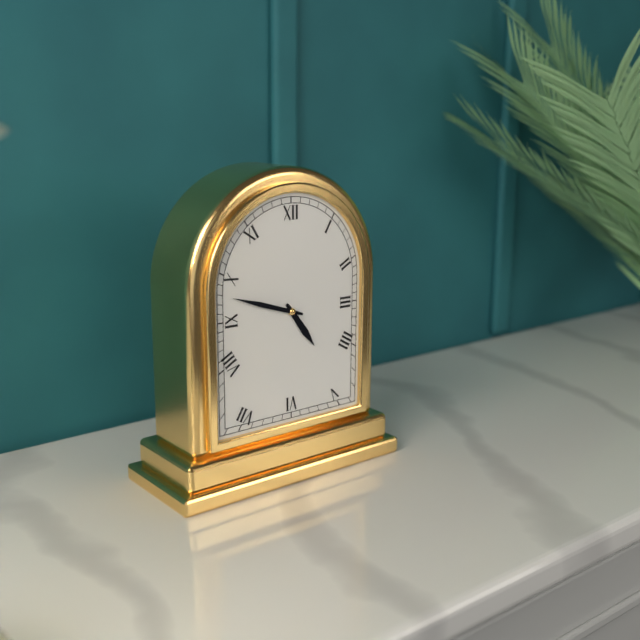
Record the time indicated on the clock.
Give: 4:48
